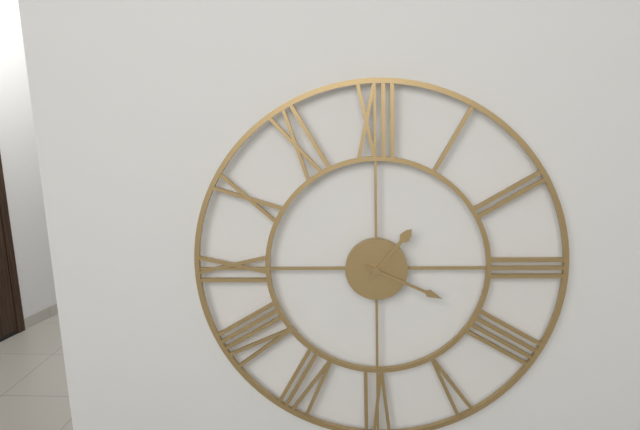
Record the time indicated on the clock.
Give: 1:19
